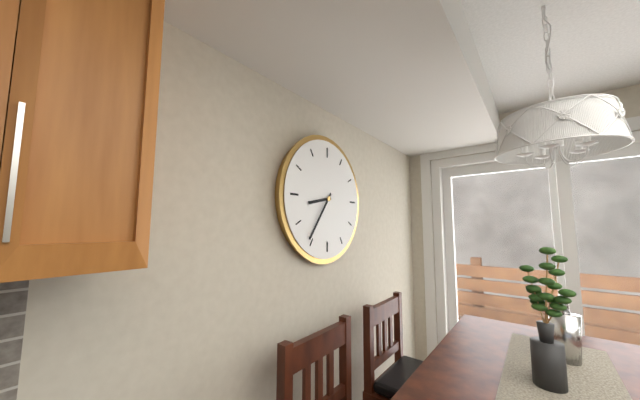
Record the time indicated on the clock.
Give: 8:36
